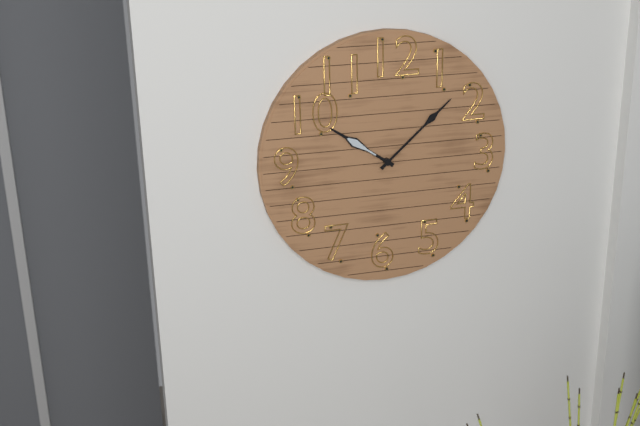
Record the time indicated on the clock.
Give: 10:08
